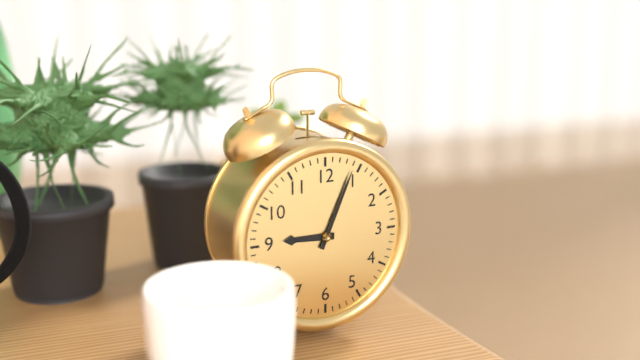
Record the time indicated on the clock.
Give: 9:04
